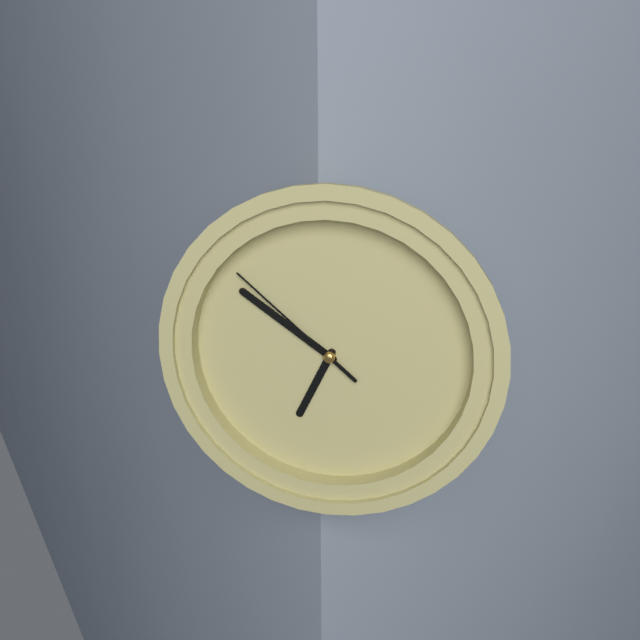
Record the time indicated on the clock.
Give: 6:51:52
